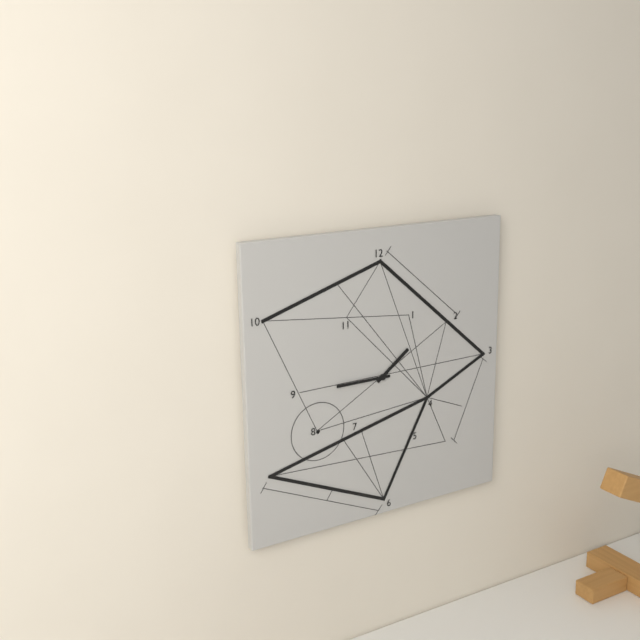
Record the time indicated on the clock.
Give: 1:45
